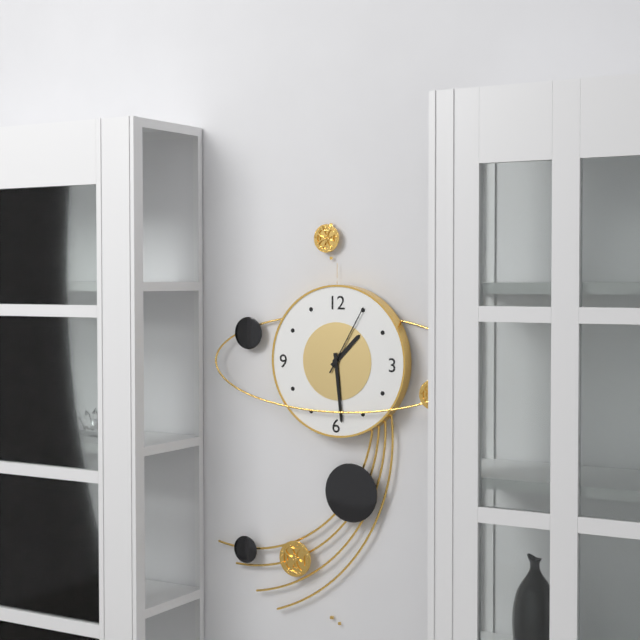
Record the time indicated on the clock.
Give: 1:29:05
